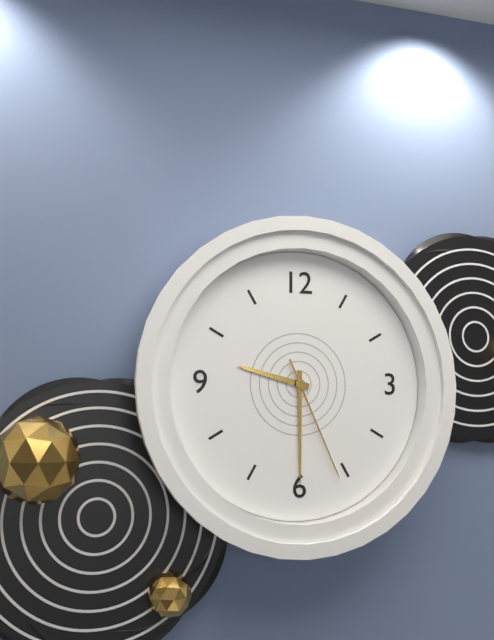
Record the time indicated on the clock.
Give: 9:30:26
